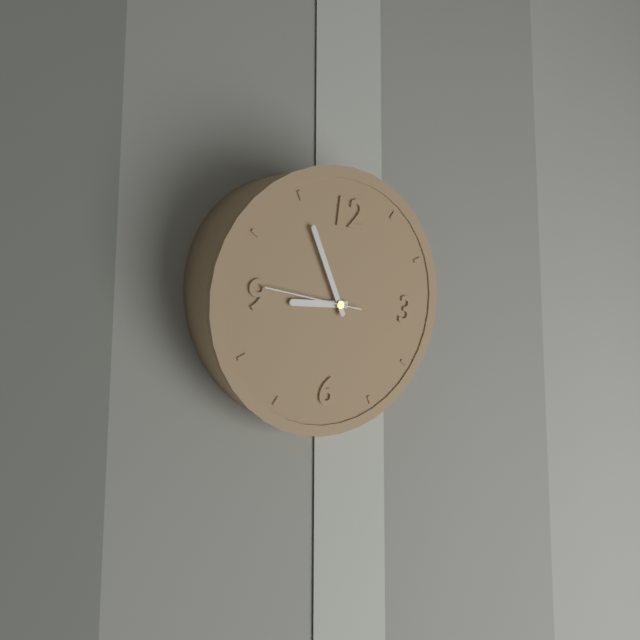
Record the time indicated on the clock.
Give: 8:55:46
